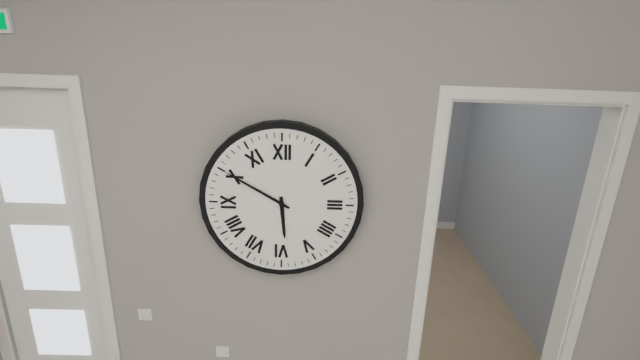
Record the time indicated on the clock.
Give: 5:50
